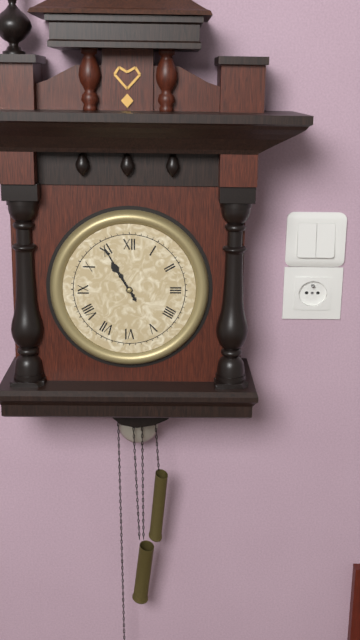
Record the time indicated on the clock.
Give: 10:55
